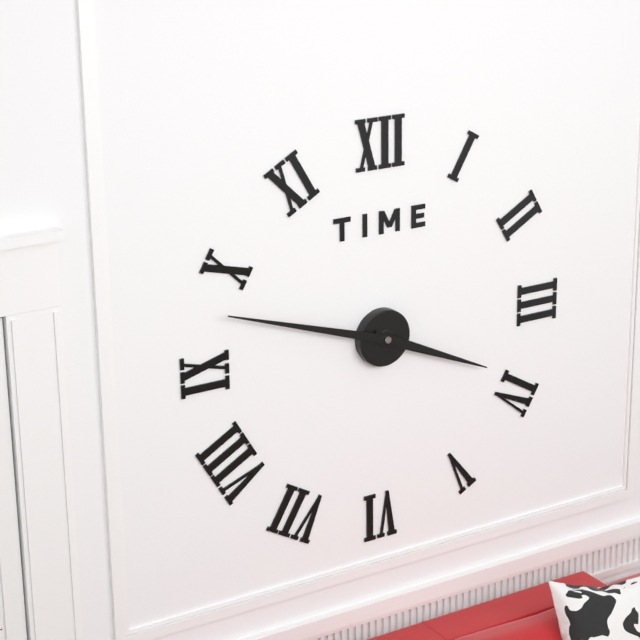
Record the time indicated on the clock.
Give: 3:48
